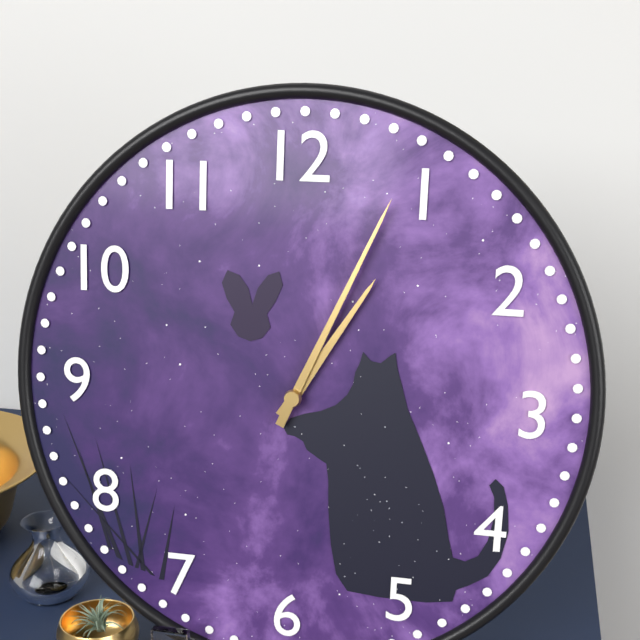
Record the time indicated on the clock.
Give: 1:04
